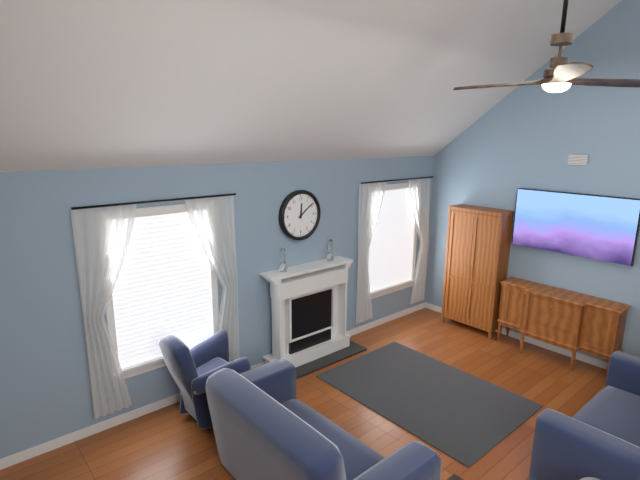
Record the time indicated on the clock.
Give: 12:09
